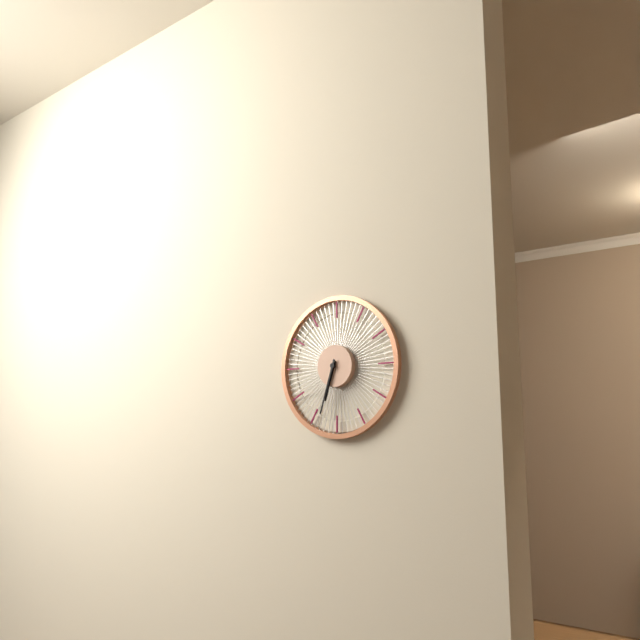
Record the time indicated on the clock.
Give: 6:33
